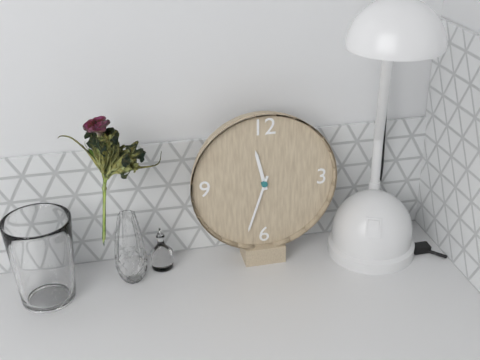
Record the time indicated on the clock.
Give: 11:33
